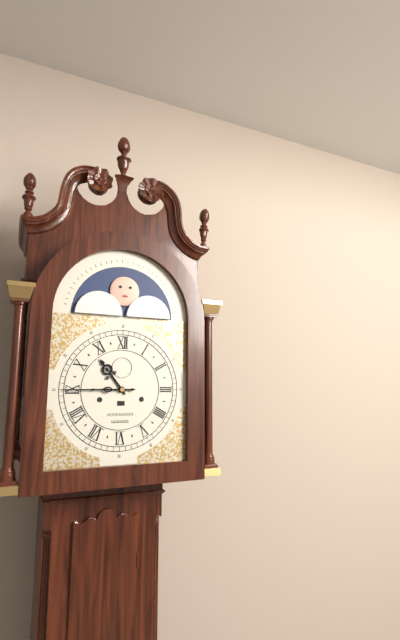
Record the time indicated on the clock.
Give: 10:45
